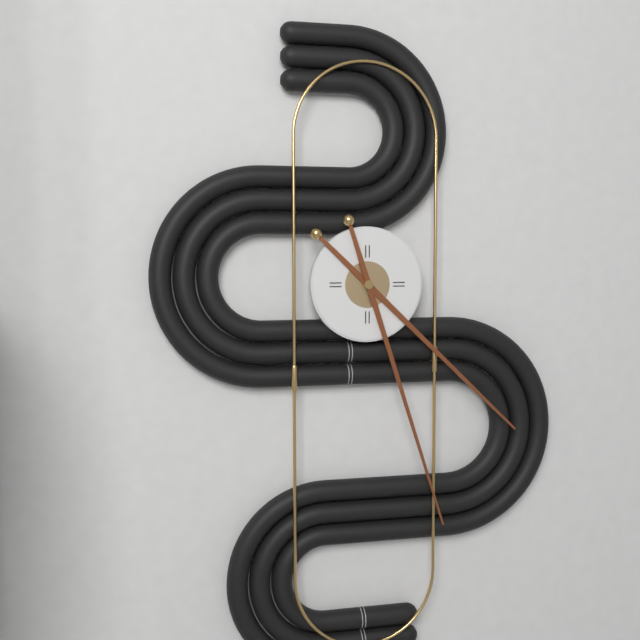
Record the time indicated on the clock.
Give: 4:27
